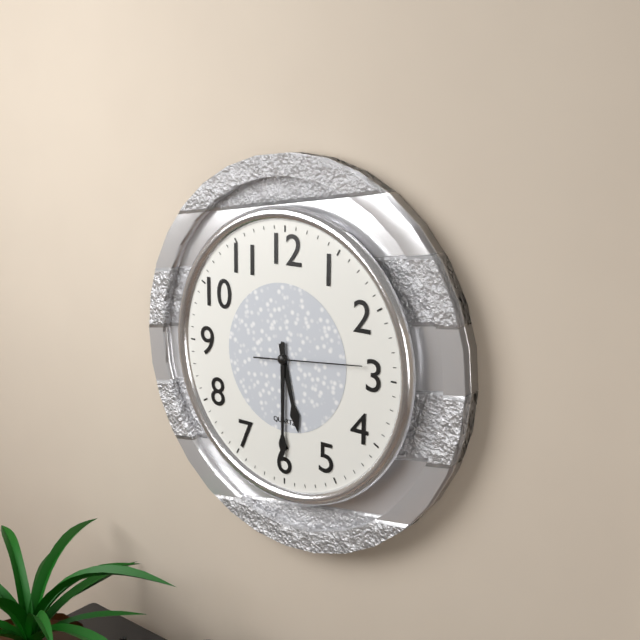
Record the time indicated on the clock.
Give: 5:30:14
